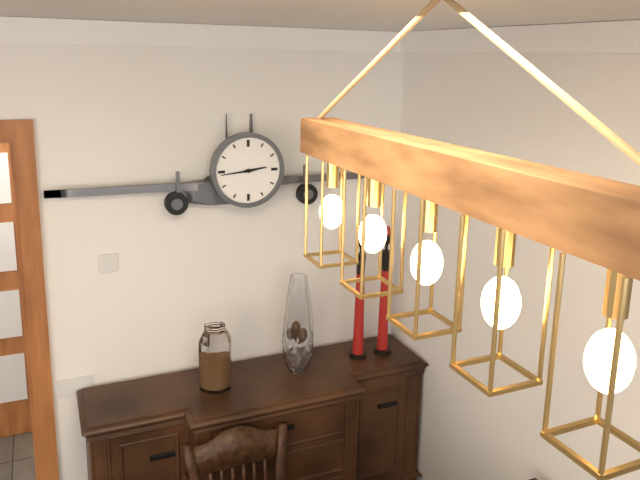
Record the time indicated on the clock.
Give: 2:44
